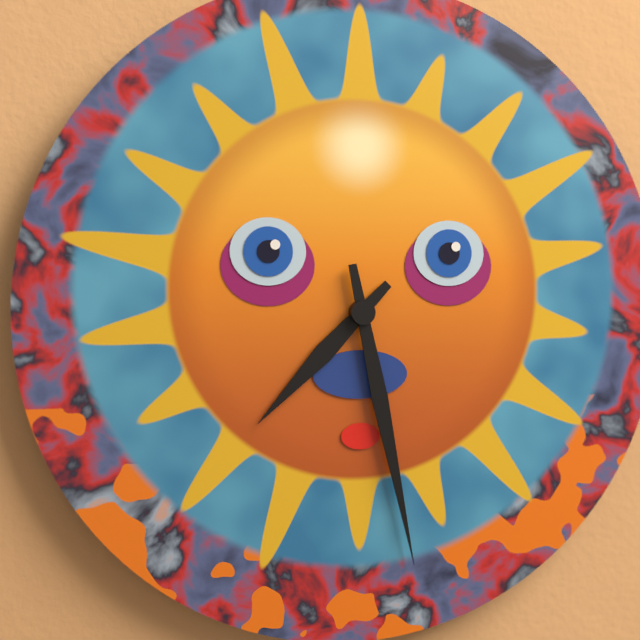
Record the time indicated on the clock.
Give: 7:28
